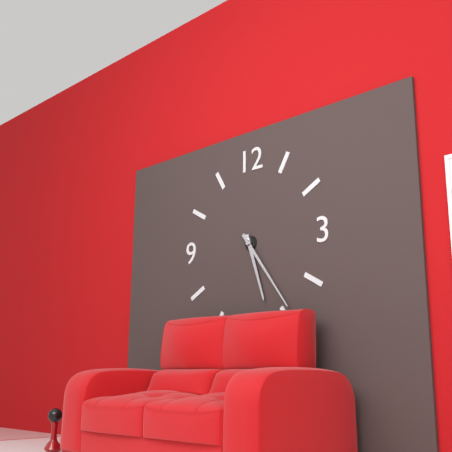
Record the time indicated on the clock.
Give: 5:24
